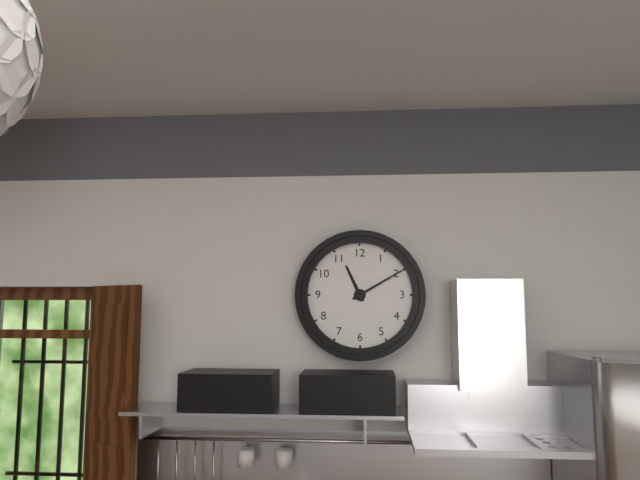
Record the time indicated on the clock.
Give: 11:10
